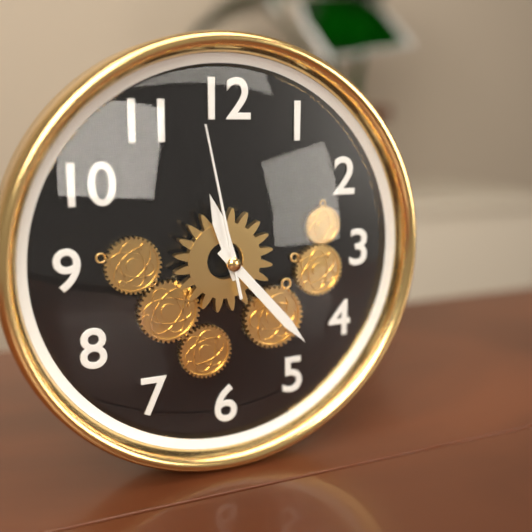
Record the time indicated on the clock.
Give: 11:23:58
